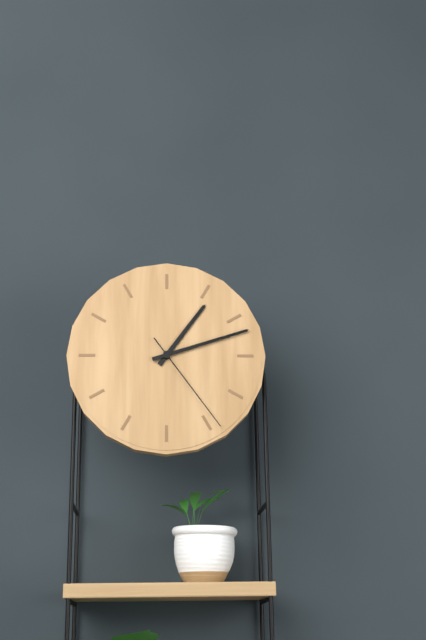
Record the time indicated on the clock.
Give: 1:12:24
